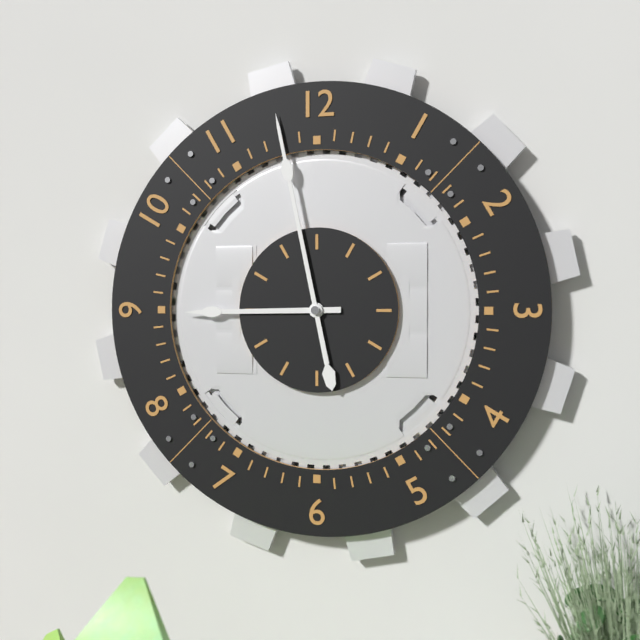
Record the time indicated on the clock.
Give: 8:58
